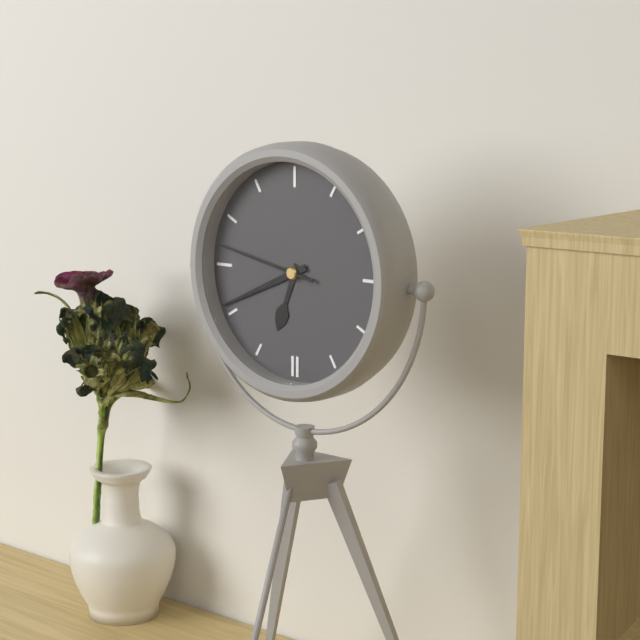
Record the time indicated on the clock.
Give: 6:41:47
